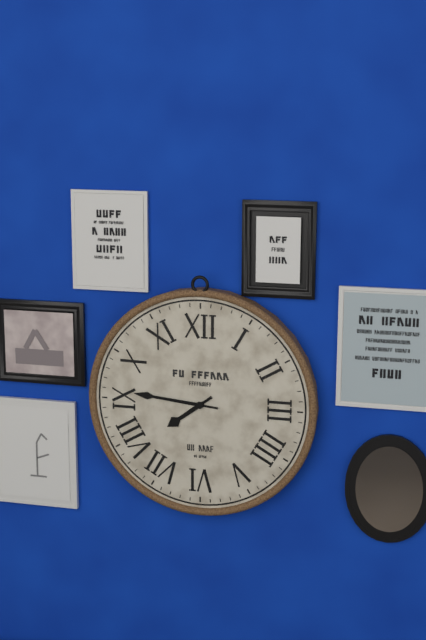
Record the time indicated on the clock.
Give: 7:46
